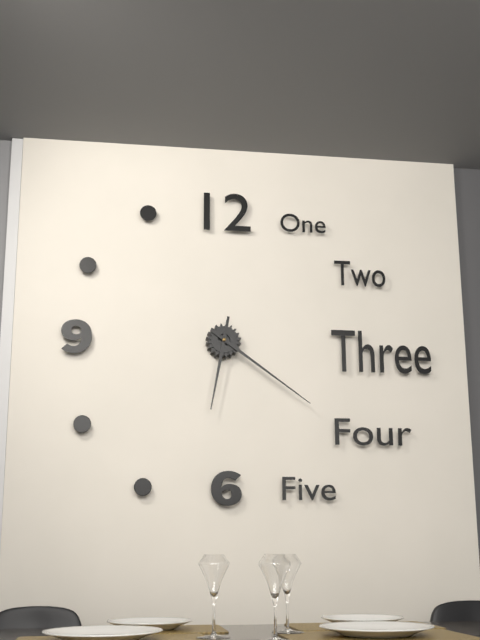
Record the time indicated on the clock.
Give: 6:21
